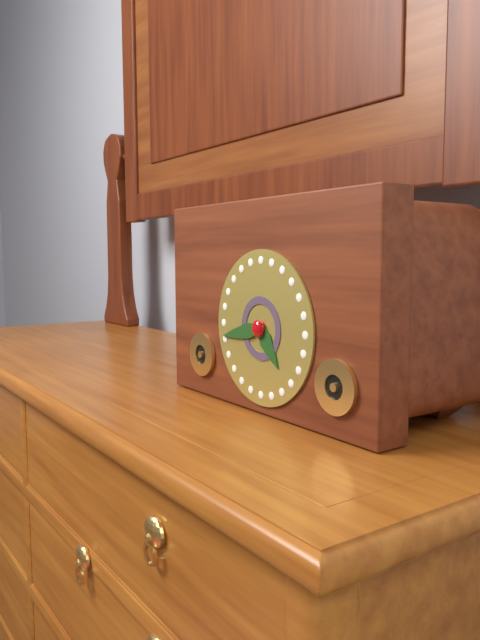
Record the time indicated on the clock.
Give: 4:43
